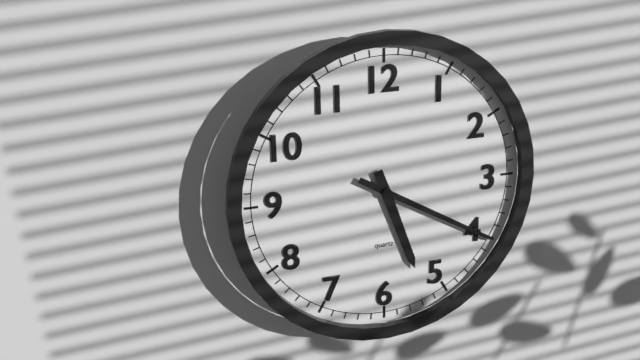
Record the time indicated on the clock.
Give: 5:20
